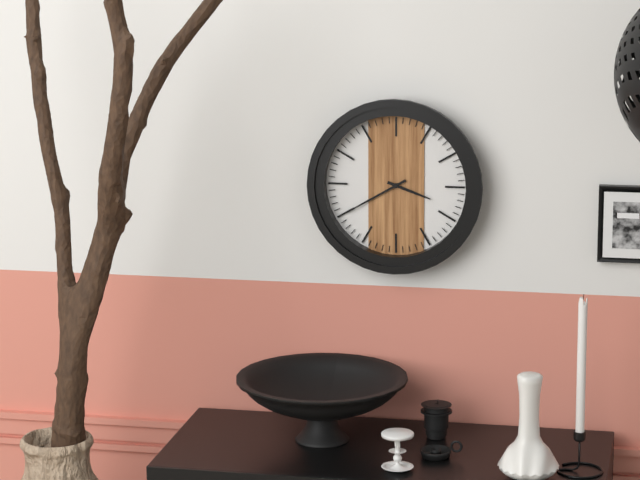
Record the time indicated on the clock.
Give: 3:40
